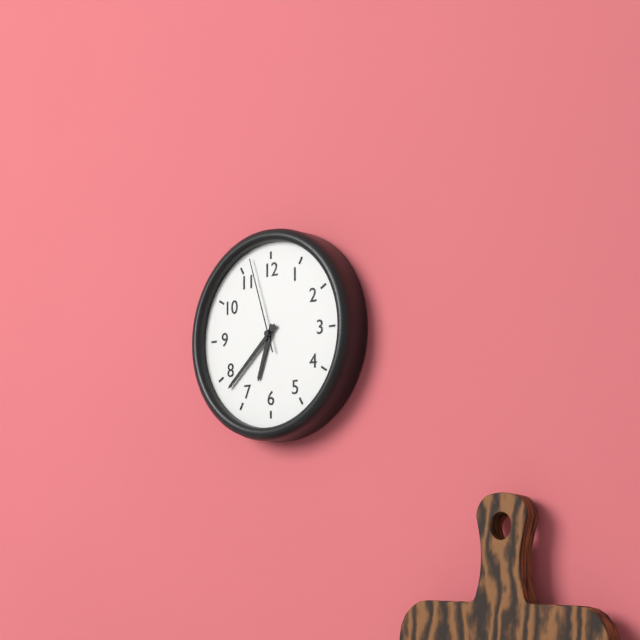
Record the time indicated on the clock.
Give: 6:38:57
